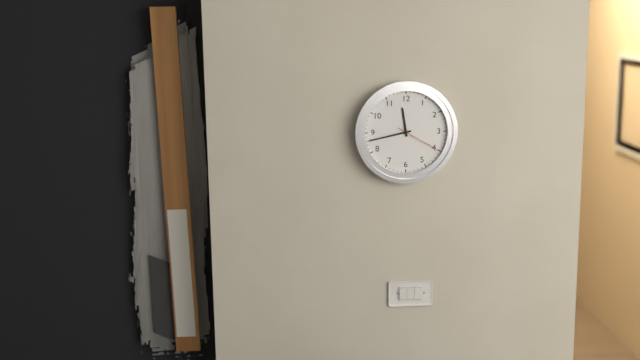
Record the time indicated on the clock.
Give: 11:43
